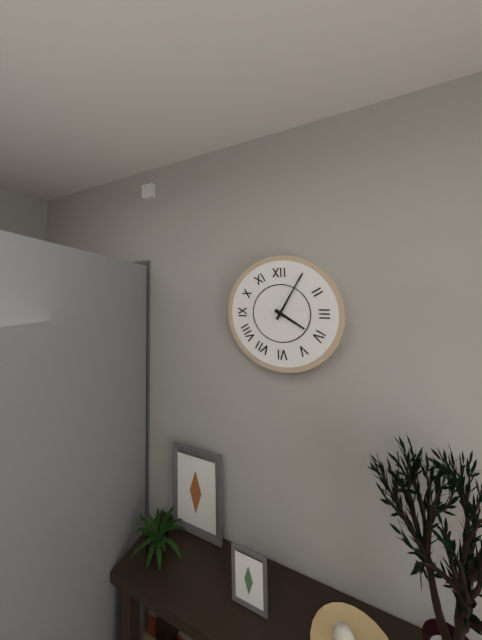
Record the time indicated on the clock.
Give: 4:05
